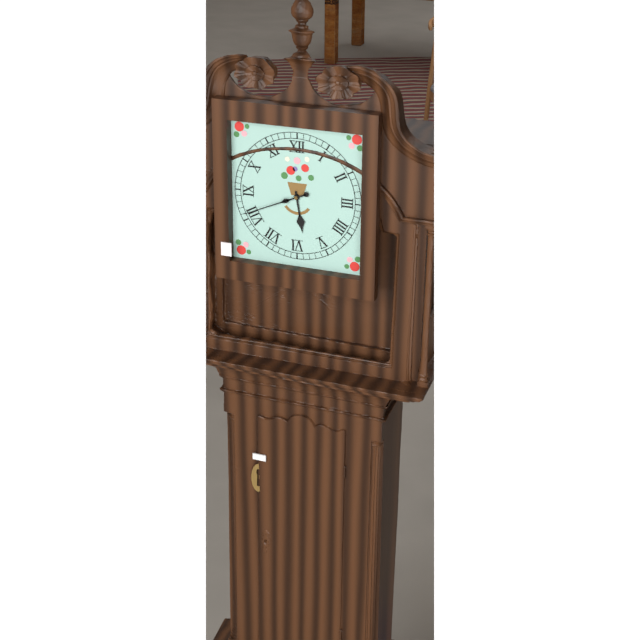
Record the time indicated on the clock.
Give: 5:41
